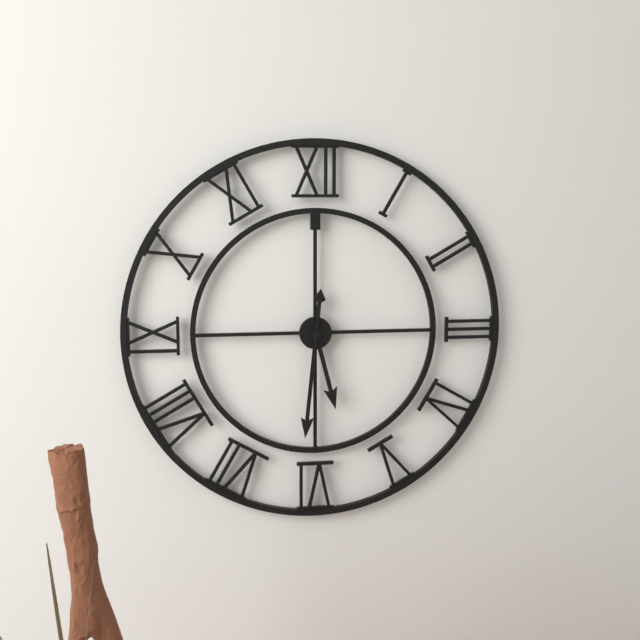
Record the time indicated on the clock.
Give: 5:31
